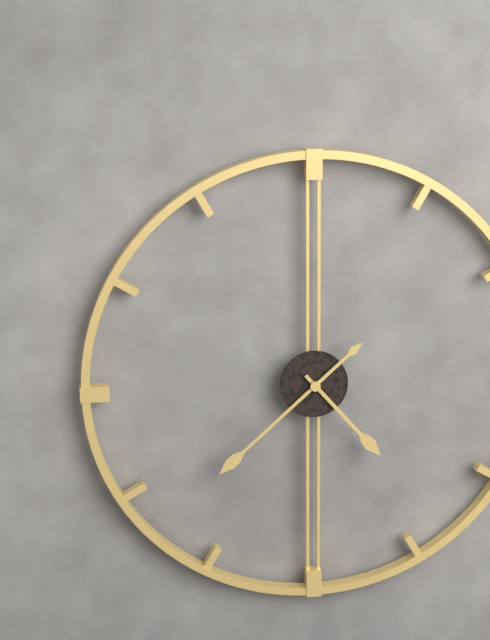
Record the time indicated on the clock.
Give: 4:38
